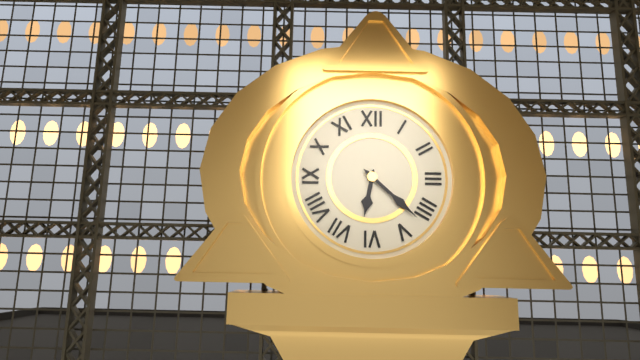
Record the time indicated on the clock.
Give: 6:22
